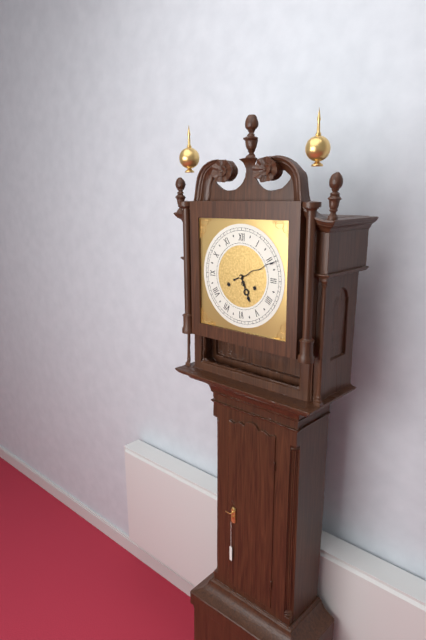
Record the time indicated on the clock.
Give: 5:11
